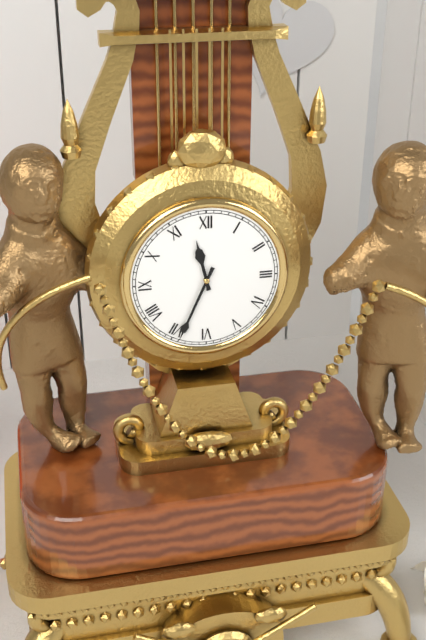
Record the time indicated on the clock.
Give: 11:34
